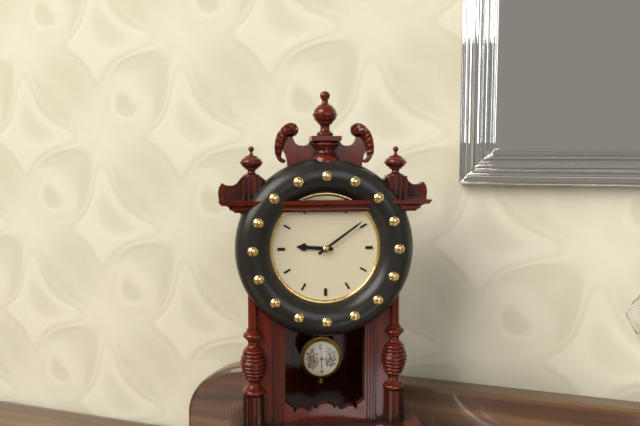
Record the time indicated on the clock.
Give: 9:09
